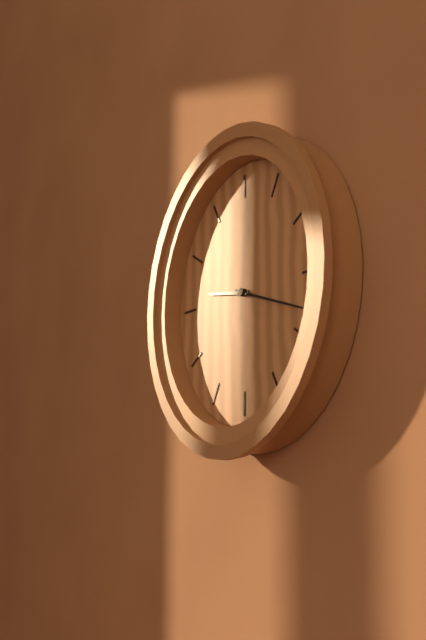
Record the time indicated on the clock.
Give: 9:18
